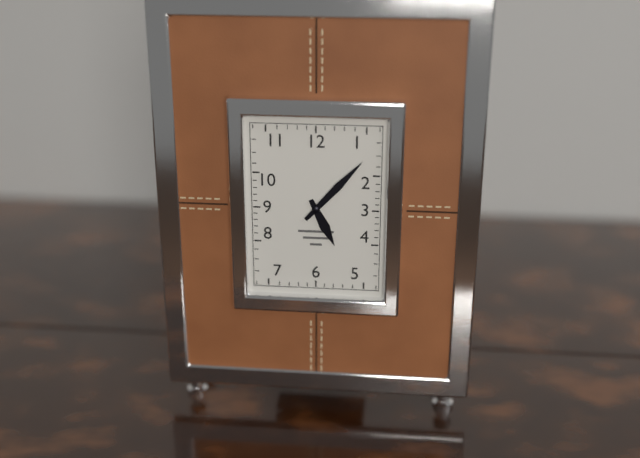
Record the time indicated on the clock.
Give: 5:07
